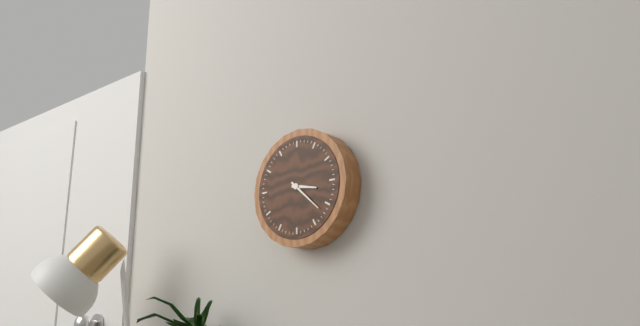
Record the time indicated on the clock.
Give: 3:22
